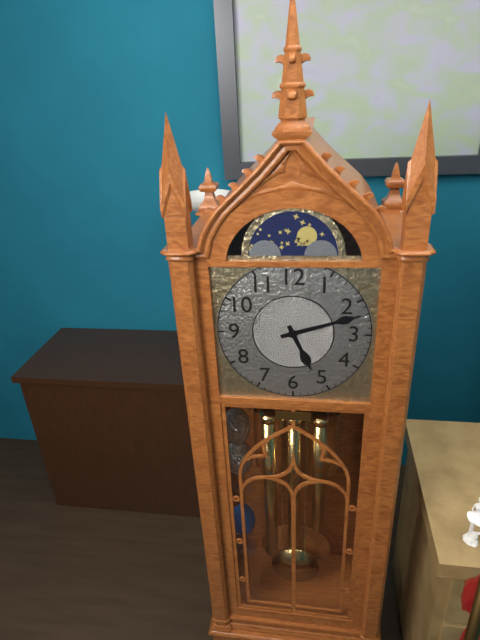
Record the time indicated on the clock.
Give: 5:12
